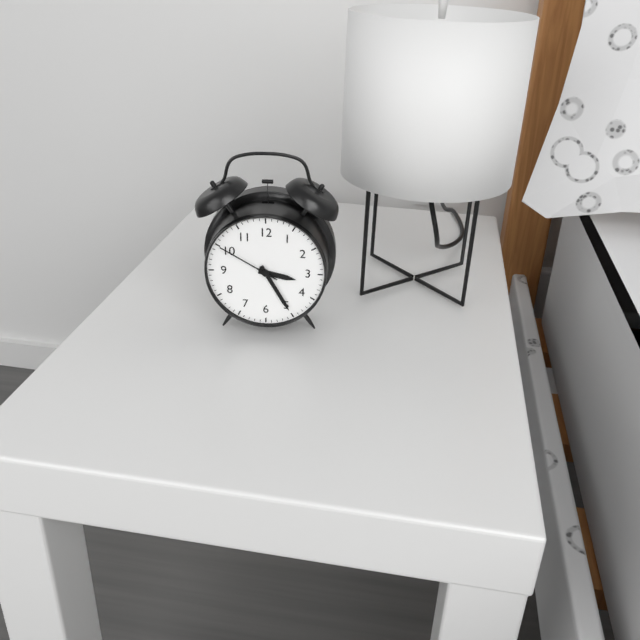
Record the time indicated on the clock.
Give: 3:25:50
